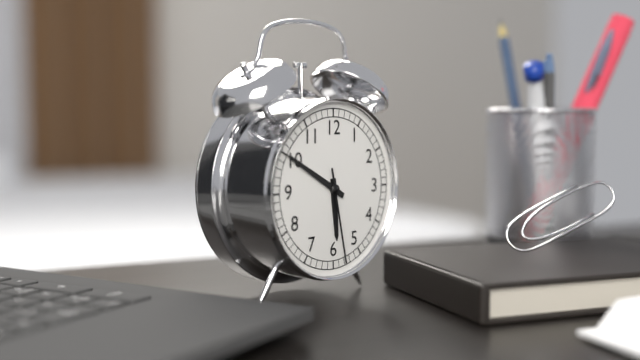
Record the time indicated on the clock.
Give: 5:50:28
